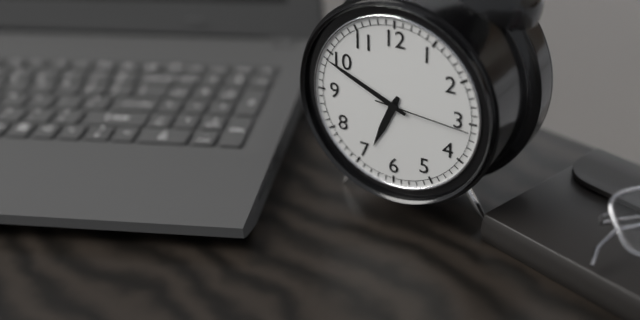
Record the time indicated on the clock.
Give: 6:49:16
